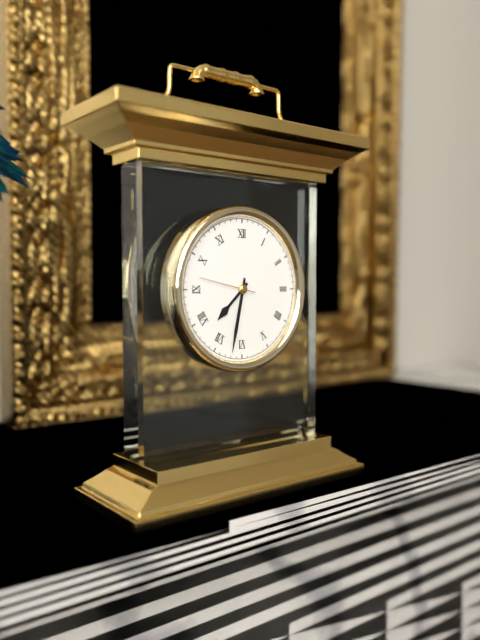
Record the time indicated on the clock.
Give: 7:32:47
